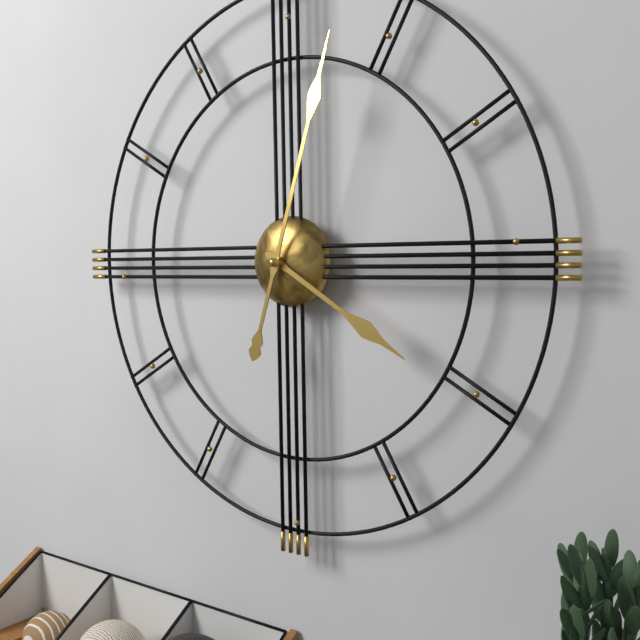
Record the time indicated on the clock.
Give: 4:03
